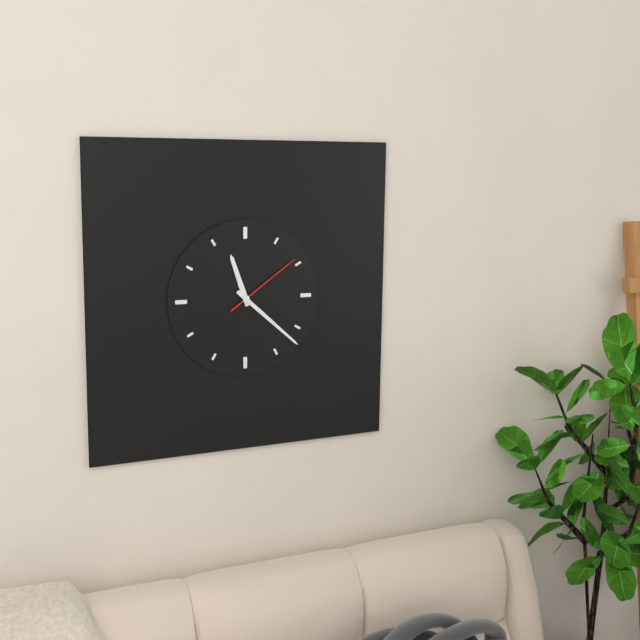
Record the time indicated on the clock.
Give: 11:22:09
